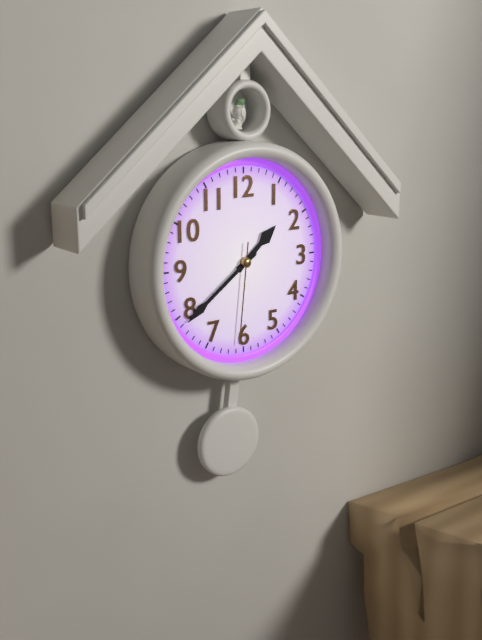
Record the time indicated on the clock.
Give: 1:39:31
